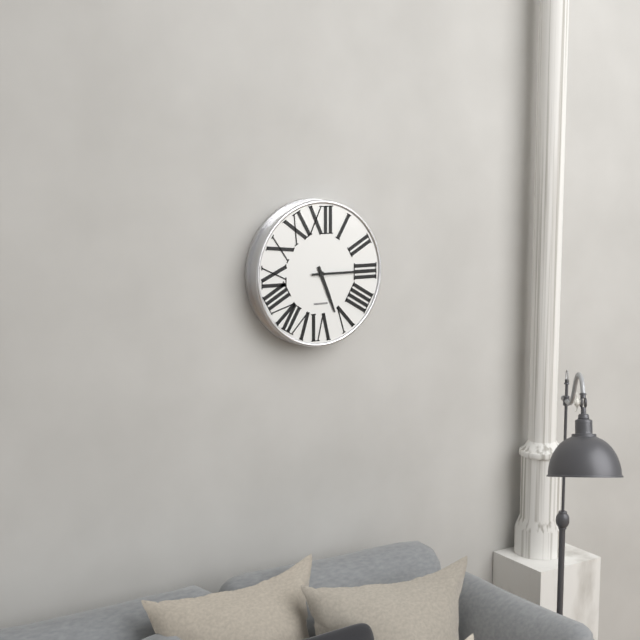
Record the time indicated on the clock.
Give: 5:15
